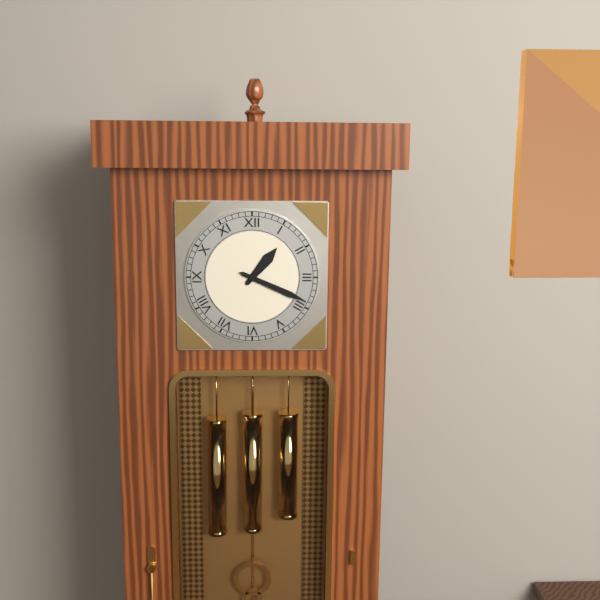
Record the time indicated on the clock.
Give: 1:19
